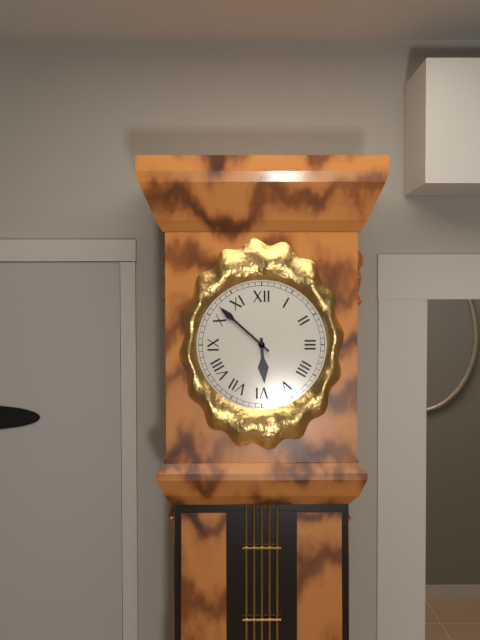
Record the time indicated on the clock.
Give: 5:52
